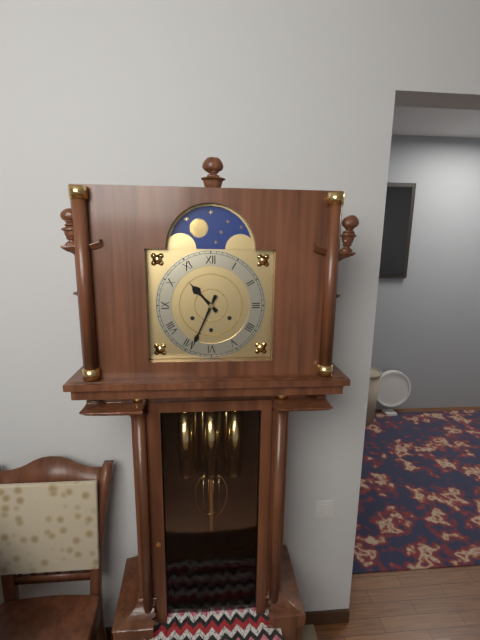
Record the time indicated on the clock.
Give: 10:34
